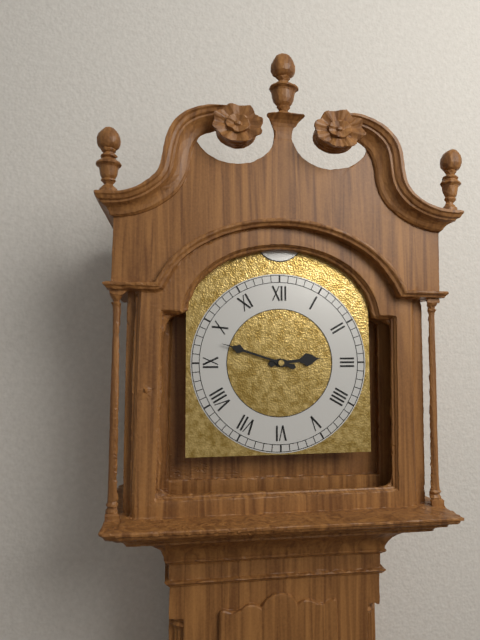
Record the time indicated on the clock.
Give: 2:48
